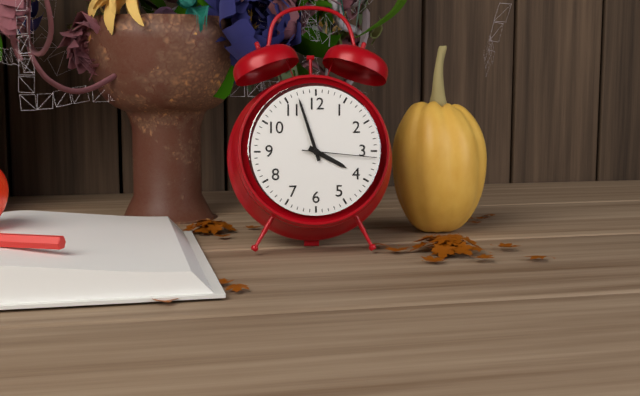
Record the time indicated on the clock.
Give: 3:57:16
